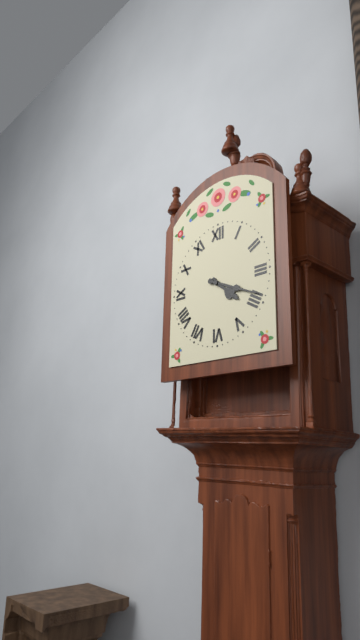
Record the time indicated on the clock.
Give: 4:19
